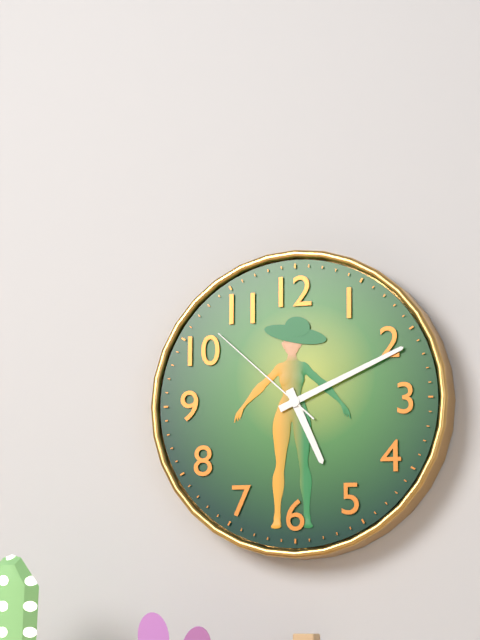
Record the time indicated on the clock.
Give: 5:11:52
